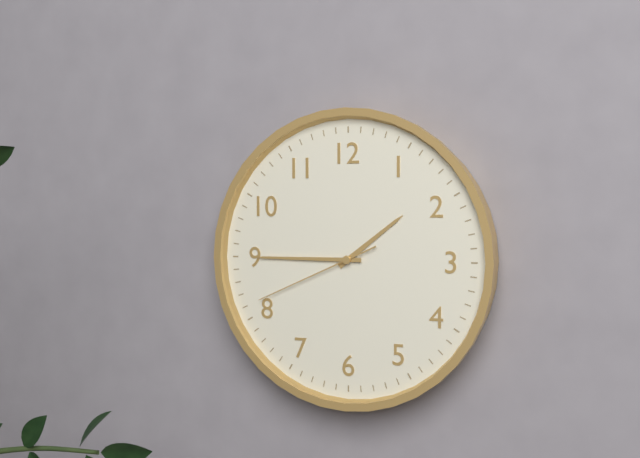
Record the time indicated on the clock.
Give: 1:45:41
